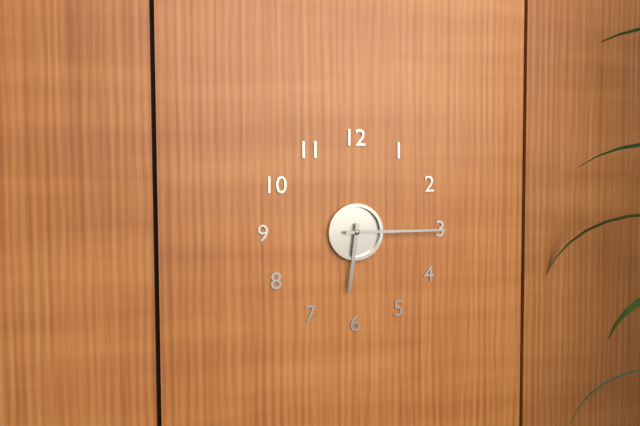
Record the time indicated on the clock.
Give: 6:15
